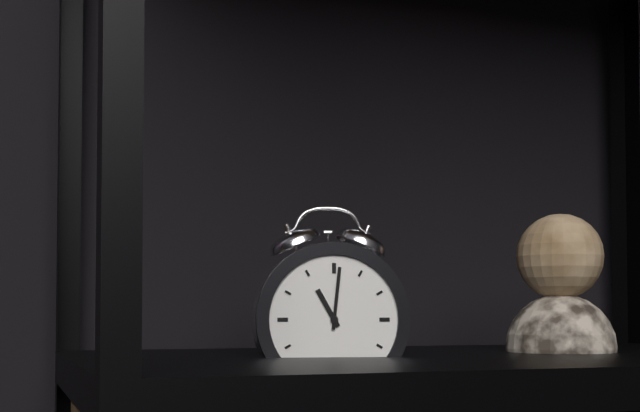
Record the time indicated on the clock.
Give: 11:01
